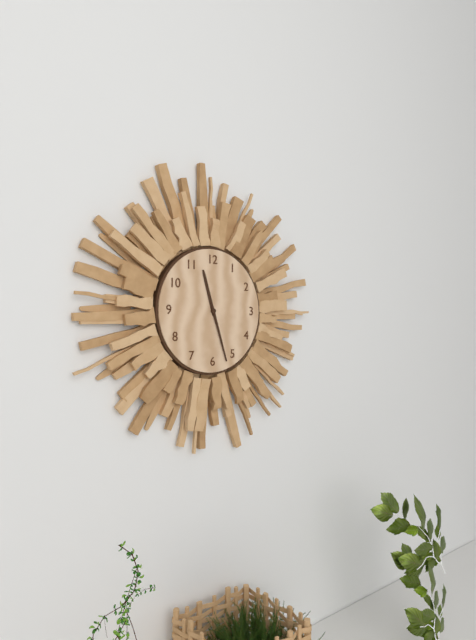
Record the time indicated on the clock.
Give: 11:27
